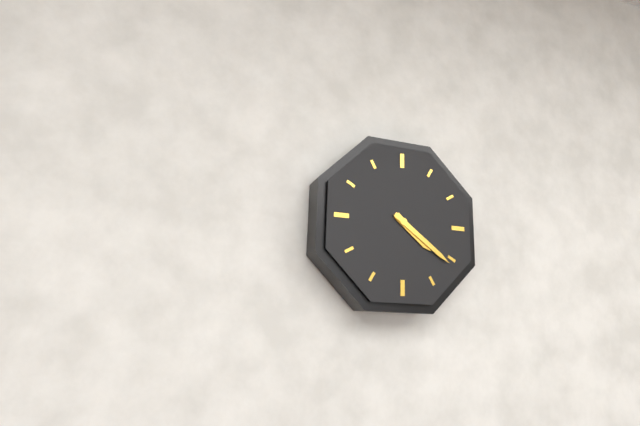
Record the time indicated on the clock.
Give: 4:21
